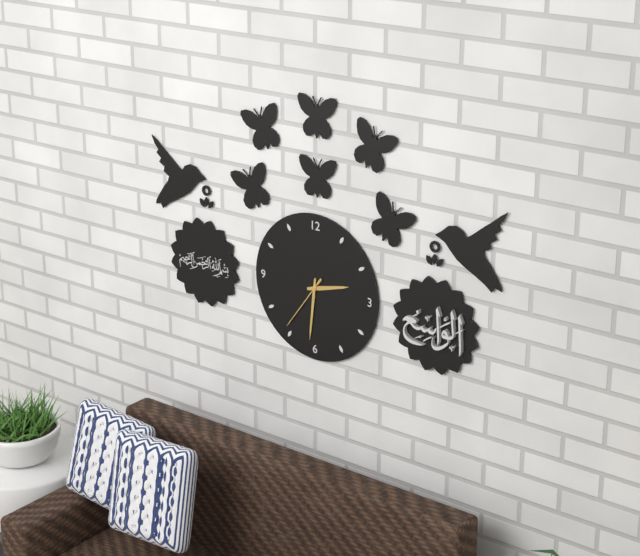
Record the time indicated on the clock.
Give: 2:31:36
